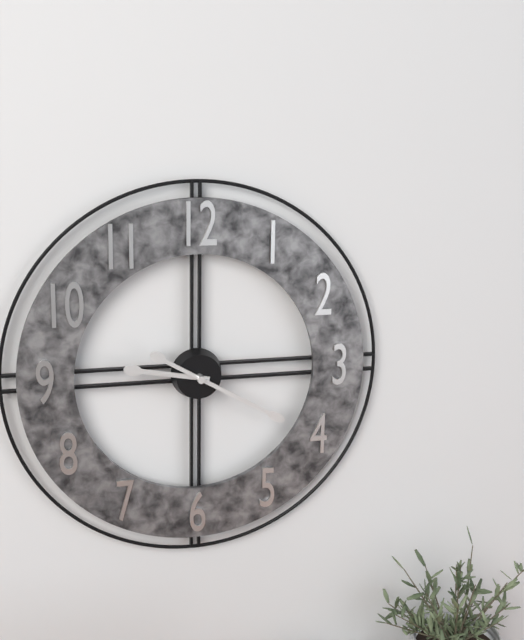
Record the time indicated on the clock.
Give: 9:20
